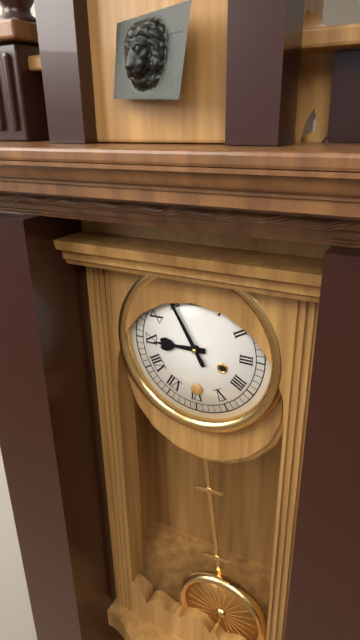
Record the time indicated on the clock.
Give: 8:55
